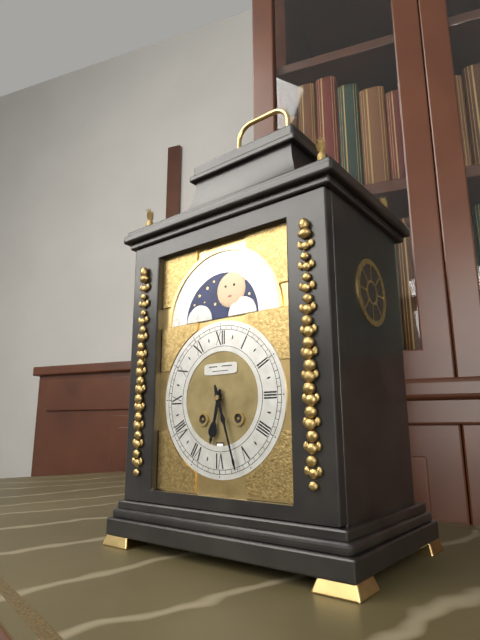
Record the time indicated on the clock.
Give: 6:27
